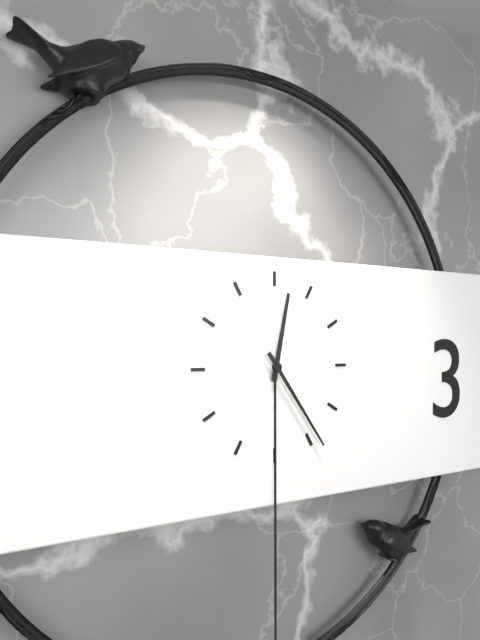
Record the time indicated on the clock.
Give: 12:24
